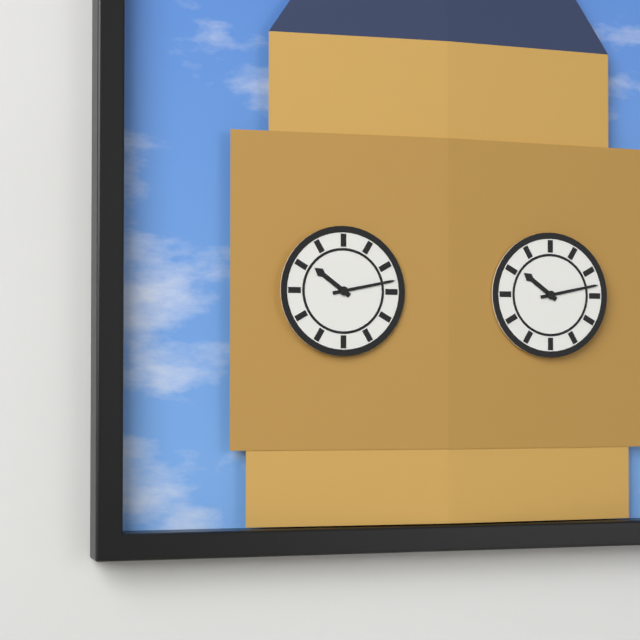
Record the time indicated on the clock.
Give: 10:13
